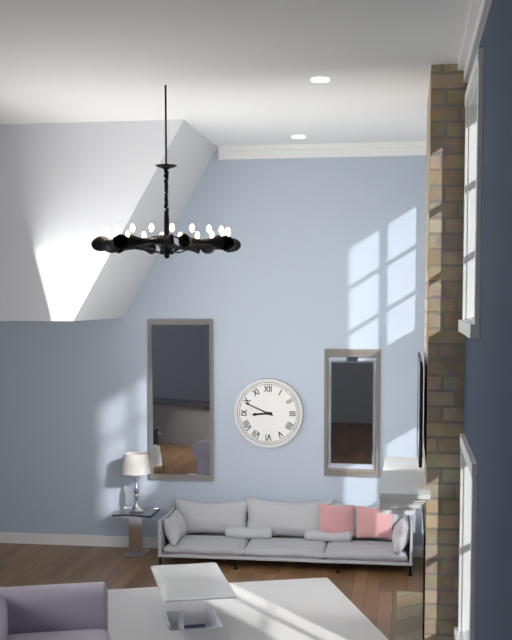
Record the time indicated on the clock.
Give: 8:49
